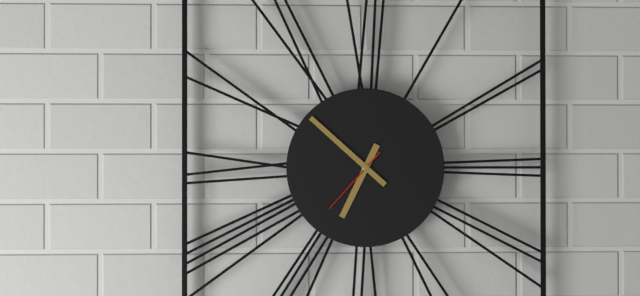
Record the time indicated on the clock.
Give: 6:52:37
